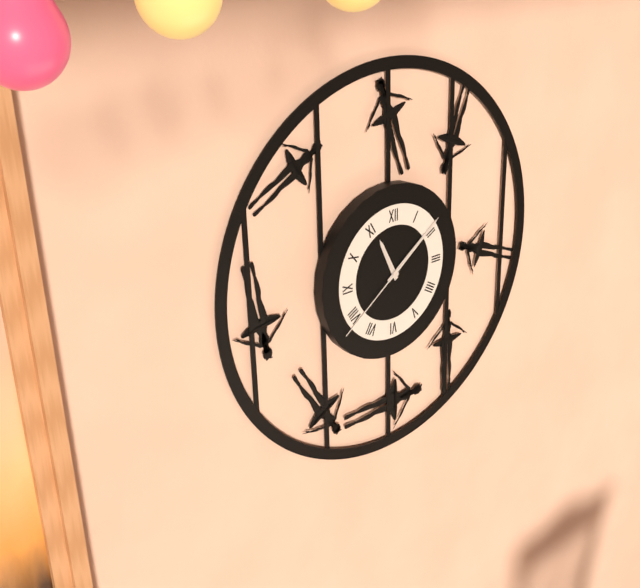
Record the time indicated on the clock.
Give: 11:09:39
